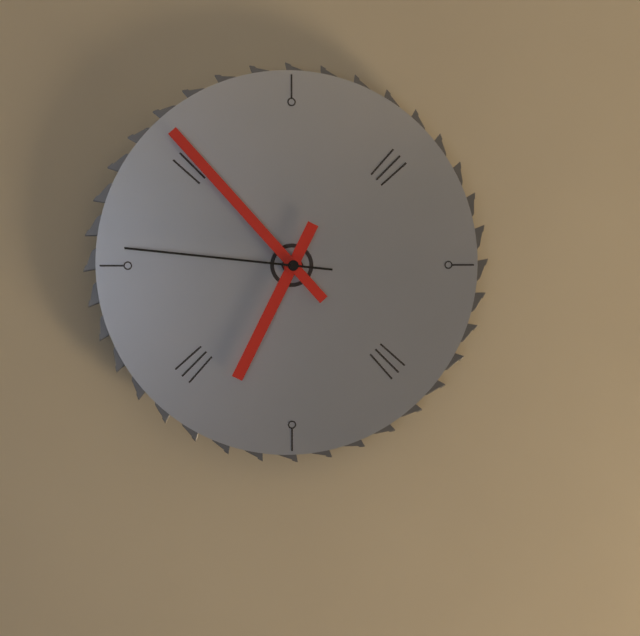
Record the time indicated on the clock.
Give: 6:53:46
